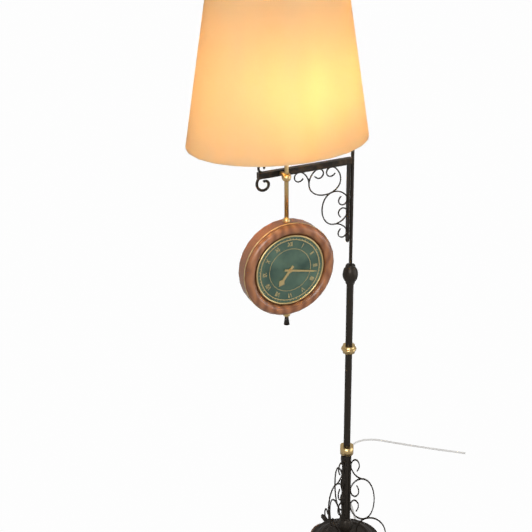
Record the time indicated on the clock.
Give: 7:17
